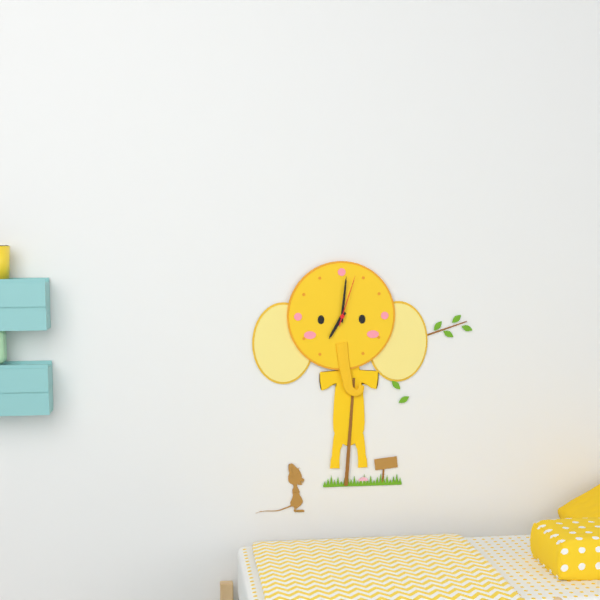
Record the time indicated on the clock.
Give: 7:01:03
